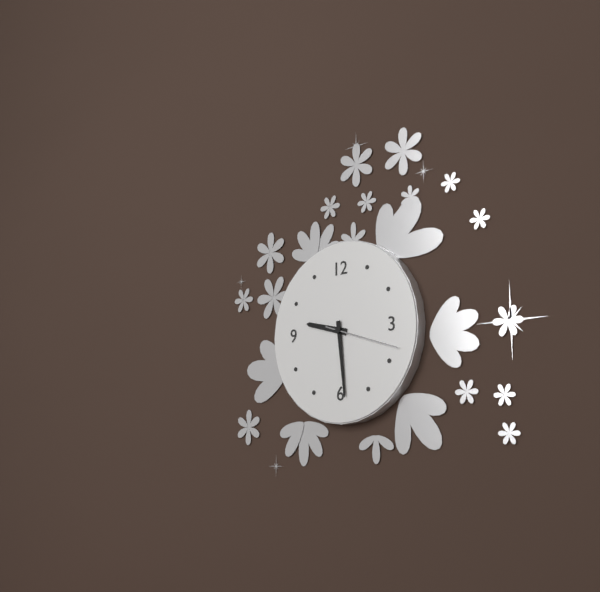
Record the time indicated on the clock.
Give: 9:29:18
